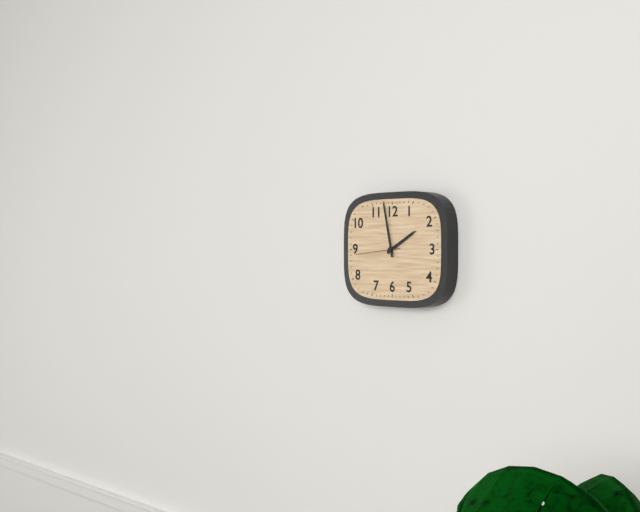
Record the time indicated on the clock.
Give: 1:58:44
